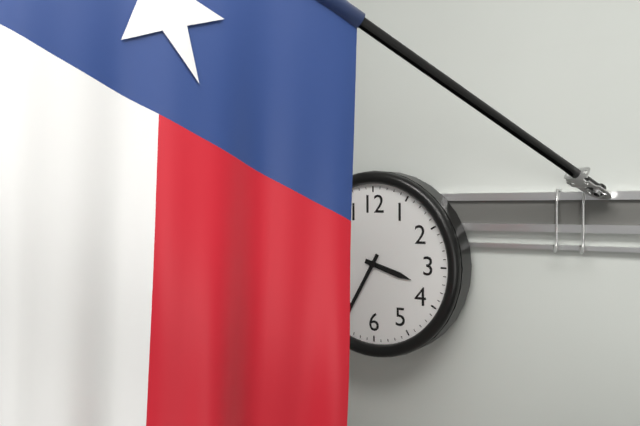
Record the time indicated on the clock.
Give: 3:35
